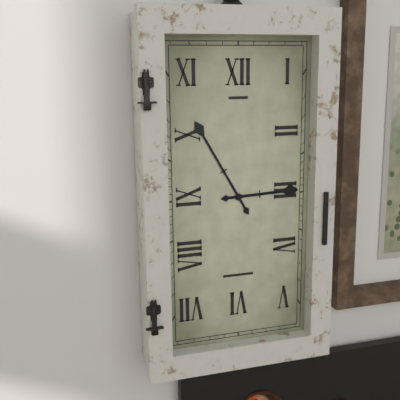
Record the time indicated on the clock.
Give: 2:55
